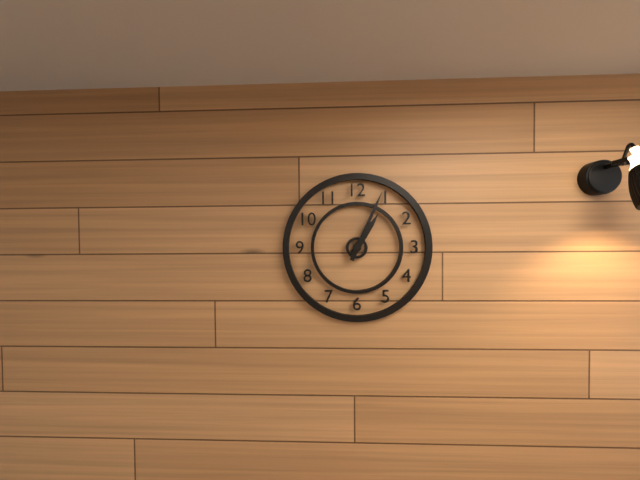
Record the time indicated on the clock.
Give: 1:04
